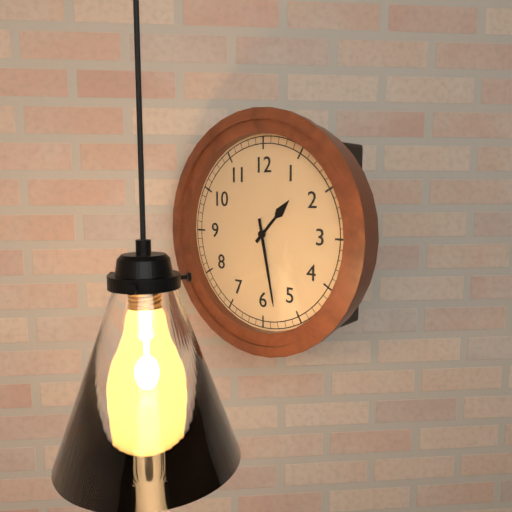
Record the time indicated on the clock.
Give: 1:28
